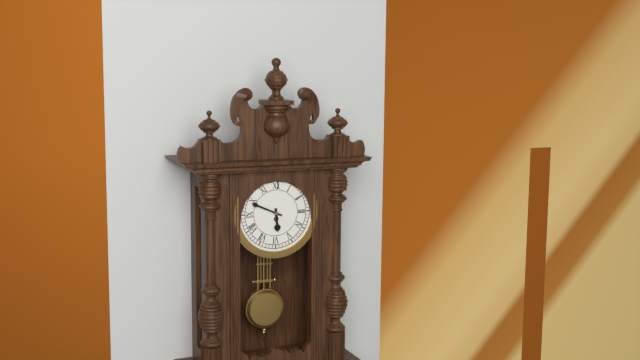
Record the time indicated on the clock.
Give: 5:49
